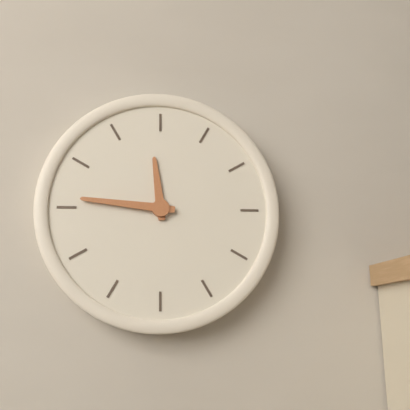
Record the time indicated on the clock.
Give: 11:46
